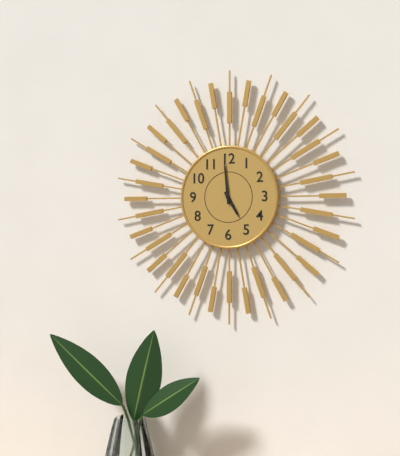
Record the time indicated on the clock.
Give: 4:59
